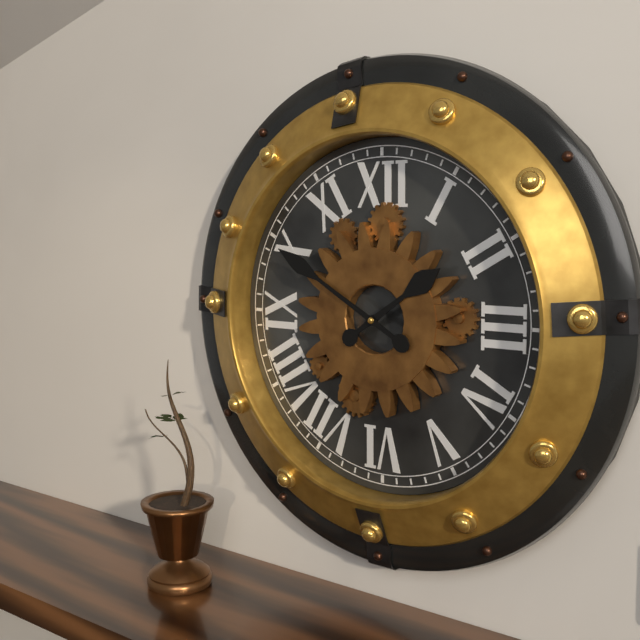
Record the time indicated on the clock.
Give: 1:50
